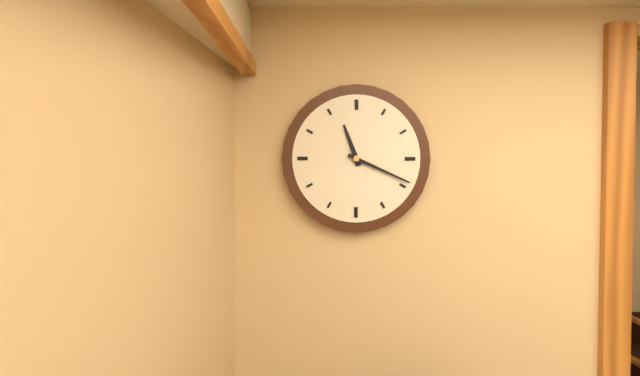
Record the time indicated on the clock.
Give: 11:19
